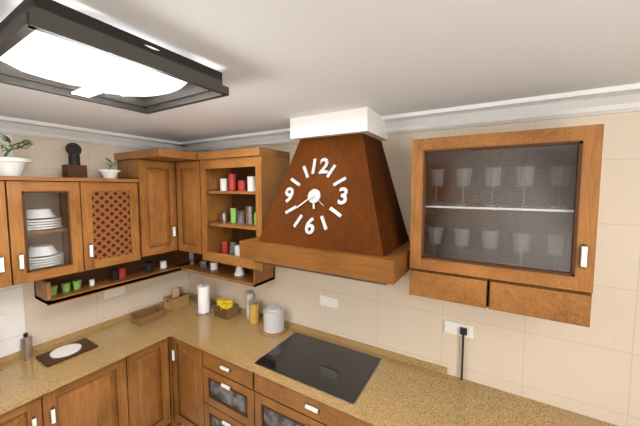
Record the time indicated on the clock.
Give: 5:39
